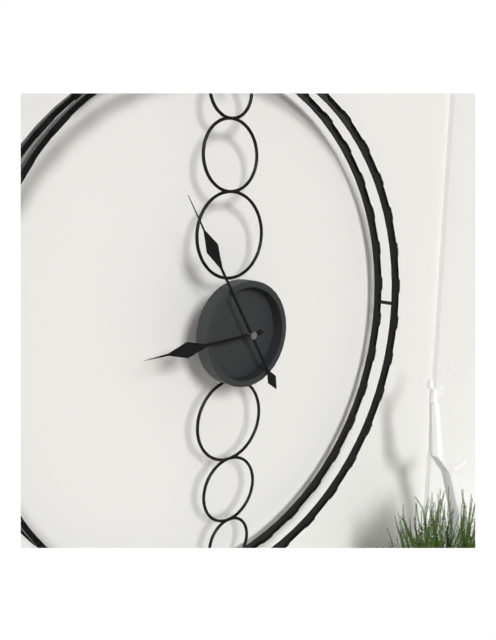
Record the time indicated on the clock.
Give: 8:55
